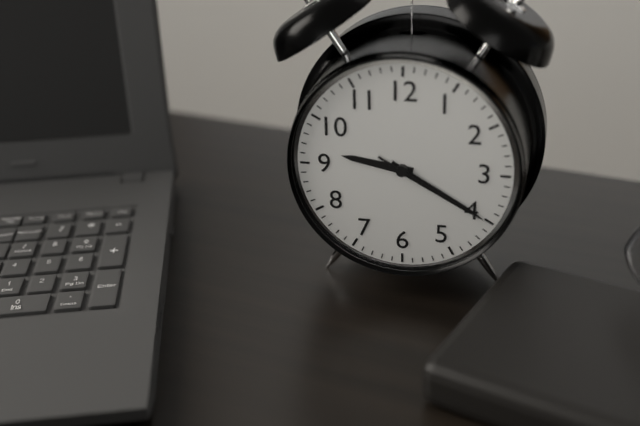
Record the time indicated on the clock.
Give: 9:20:20
